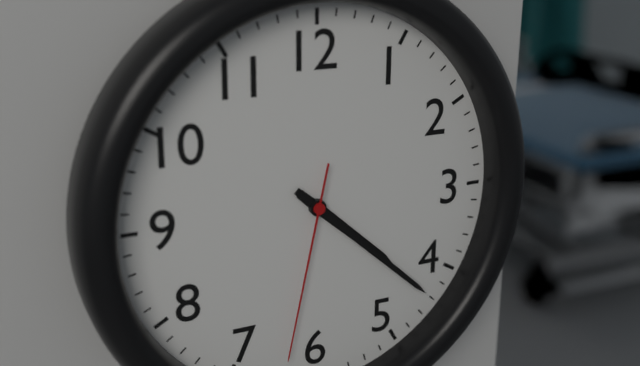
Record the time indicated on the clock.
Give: 4:22:32
